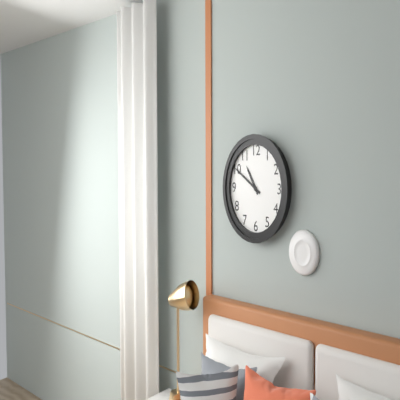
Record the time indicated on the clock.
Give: 10:50
